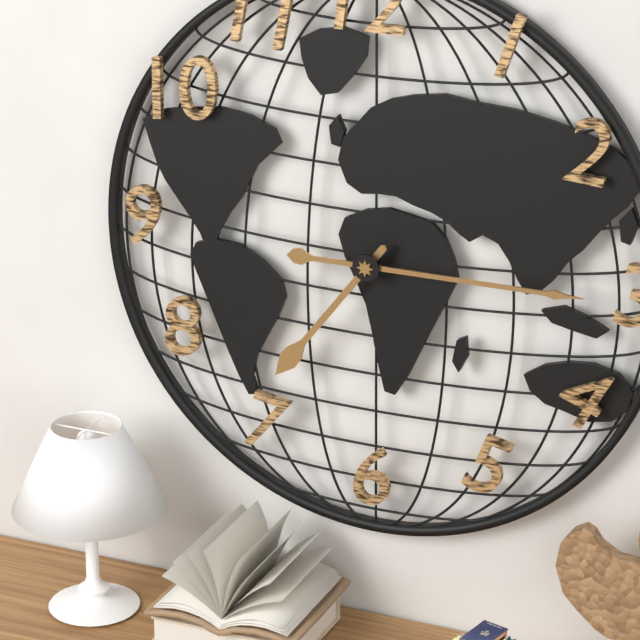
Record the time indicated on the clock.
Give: 7:15
